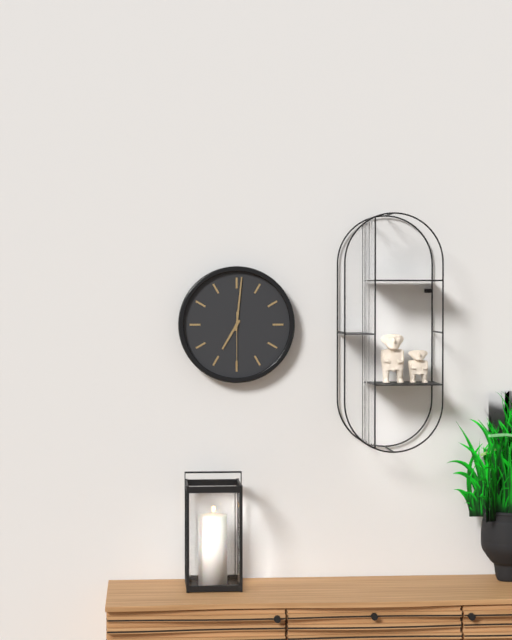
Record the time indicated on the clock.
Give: 7:01:30
